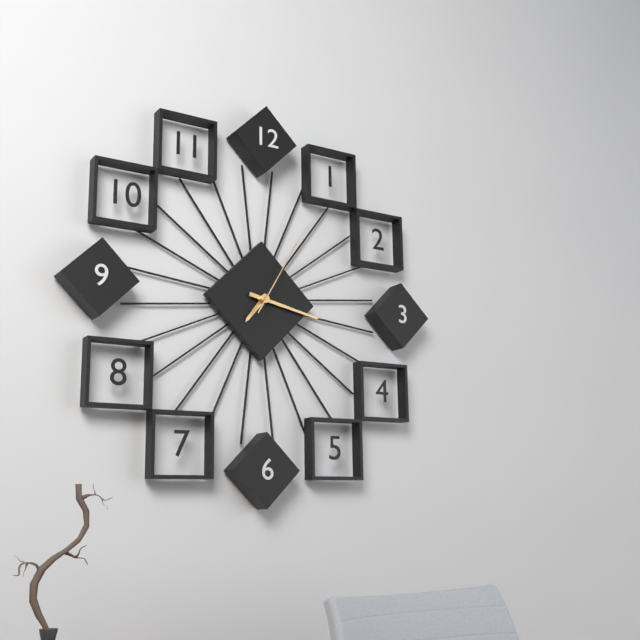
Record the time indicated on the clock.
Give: 7:17:05
